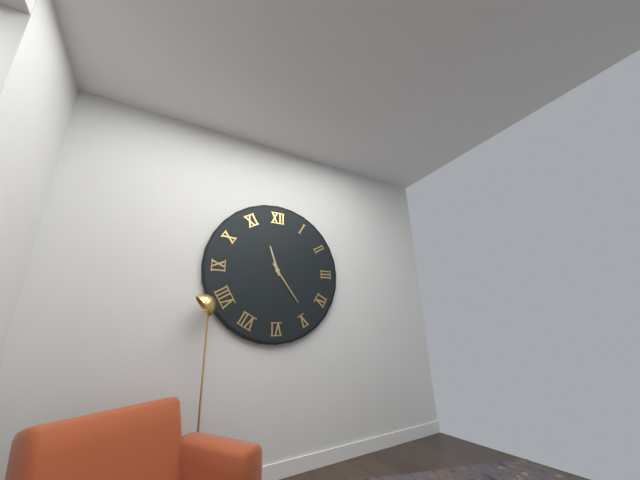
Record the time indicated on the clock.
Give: 11:24
